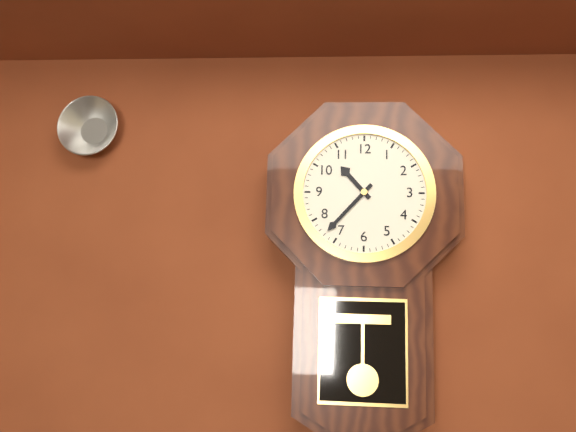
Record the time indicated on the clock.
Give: 10:37
